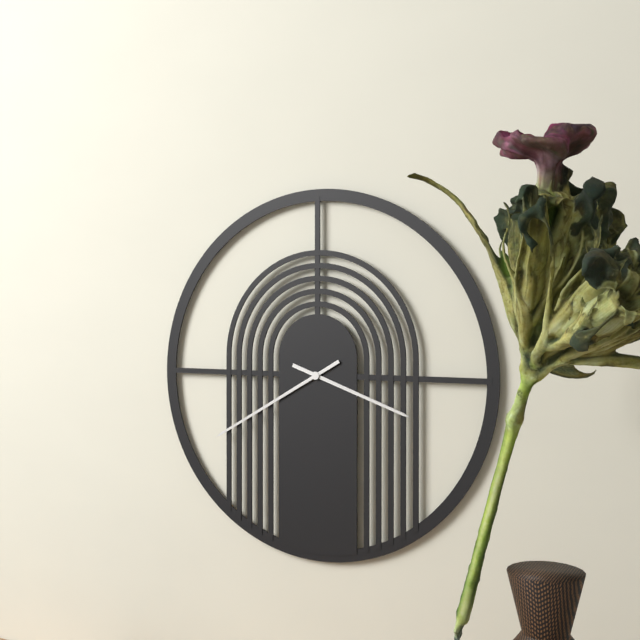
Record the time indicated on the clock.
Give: 3:40
